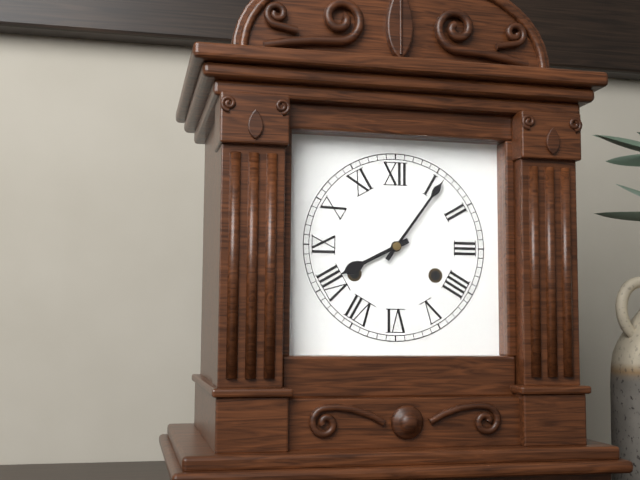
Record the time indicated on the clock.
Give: 8:06
